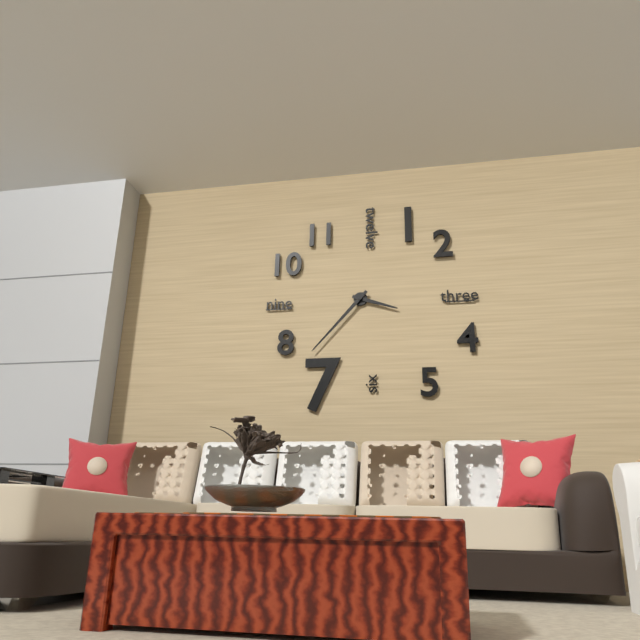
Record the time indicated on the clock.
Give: 3:37
